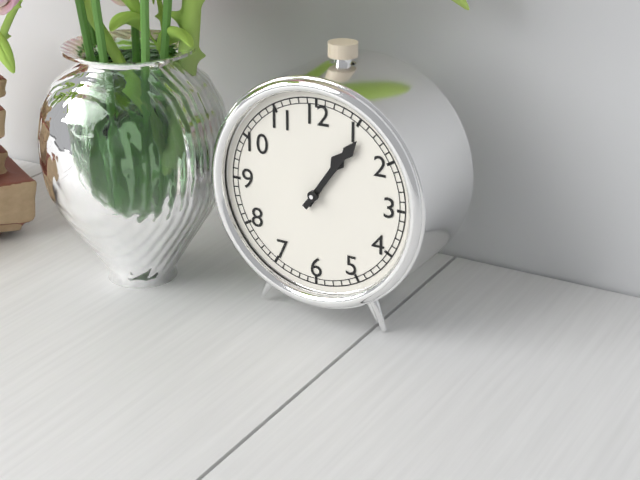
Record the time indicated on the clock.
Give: 1:06
